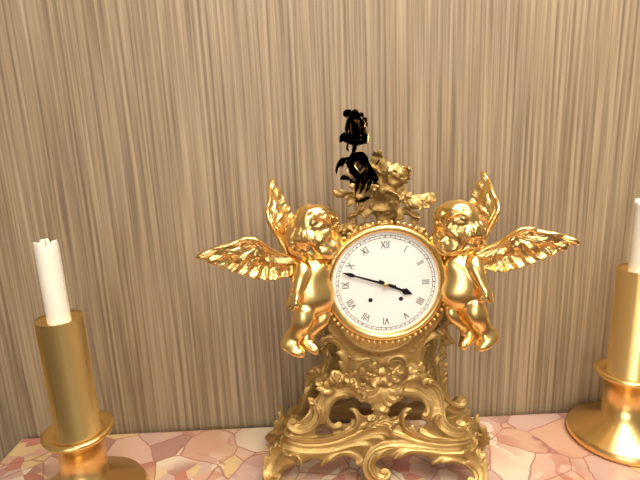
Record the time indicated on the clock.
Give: 3:48
